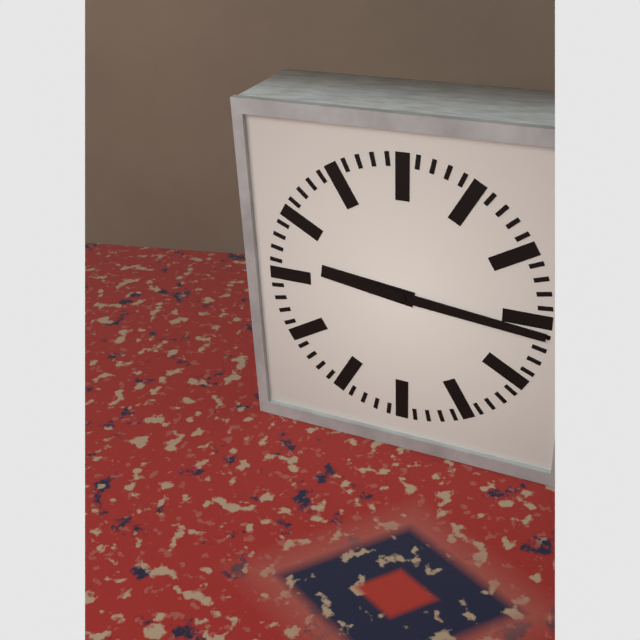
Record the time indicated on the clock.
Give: 9:16
